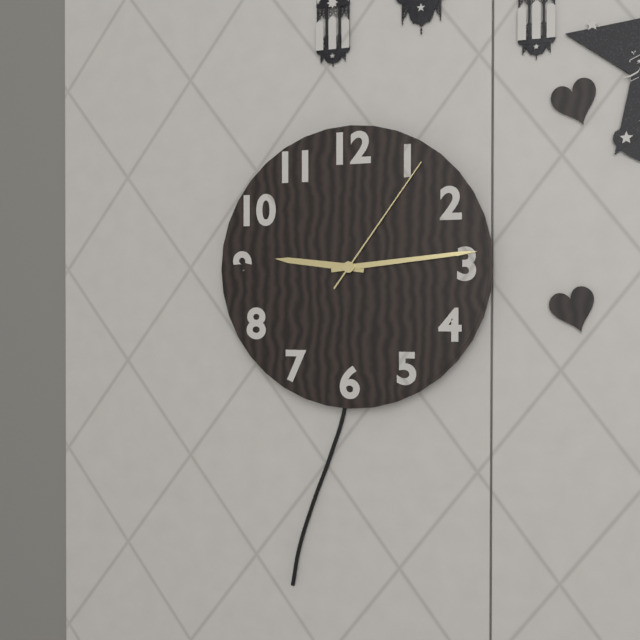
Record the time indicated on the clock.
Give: 9:14:06
